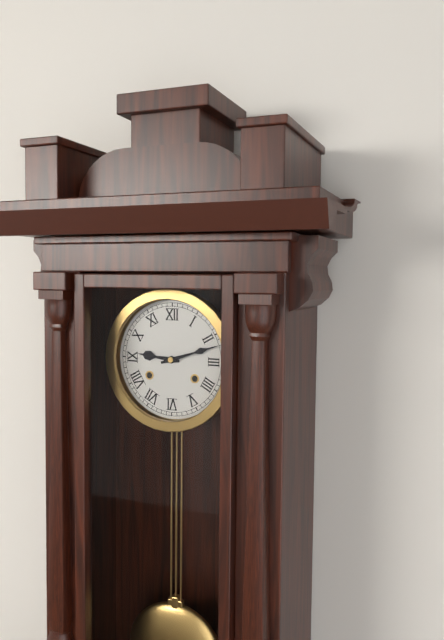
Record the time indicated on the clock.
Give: 9:12
